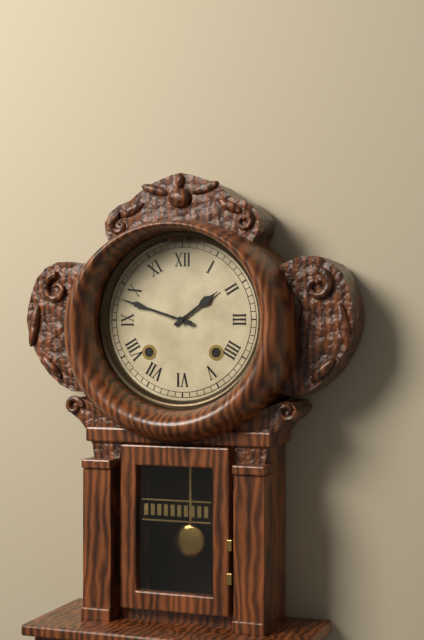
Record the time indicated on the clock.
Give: 1:48
